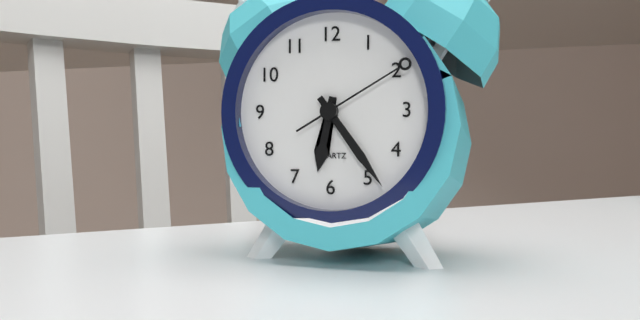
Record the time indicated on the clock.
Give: 6:24:10
